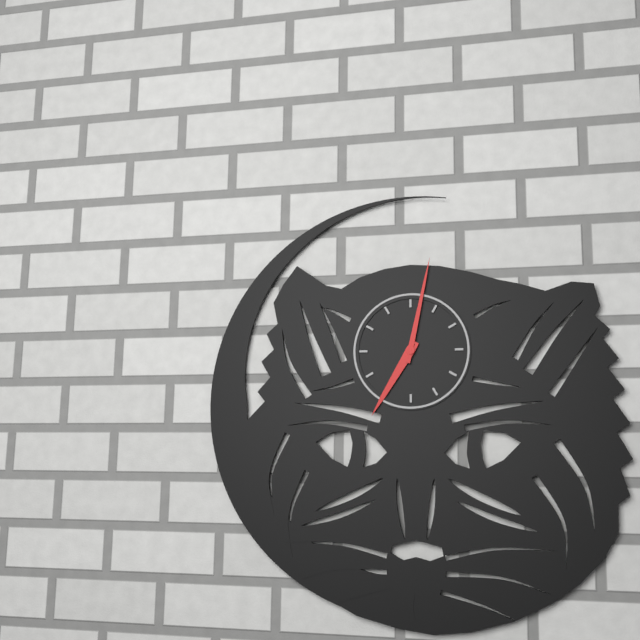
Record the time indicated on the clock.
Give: 7:02
